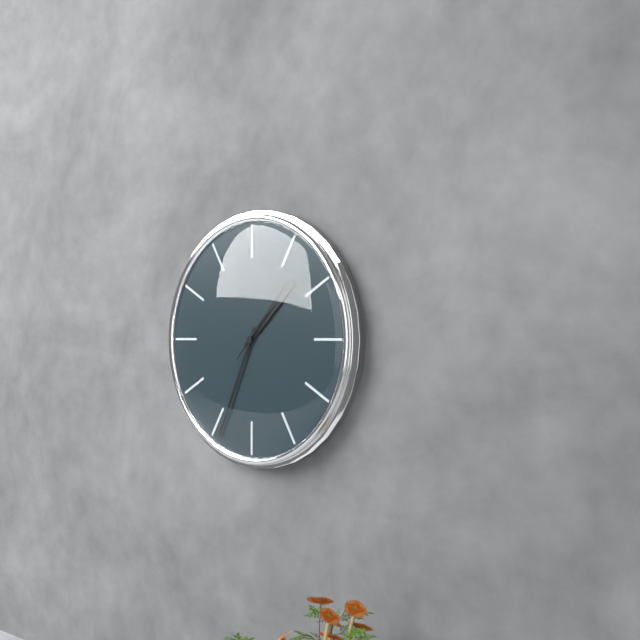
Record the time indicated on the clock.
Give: 1:34:07
